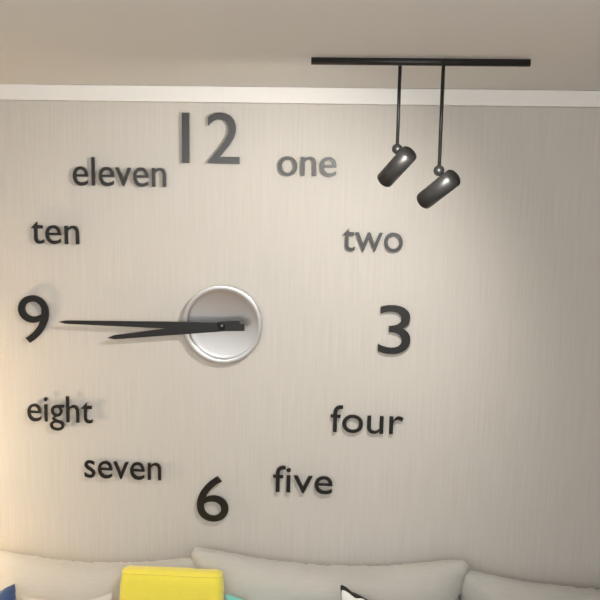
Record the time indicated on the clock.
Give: 8:45
